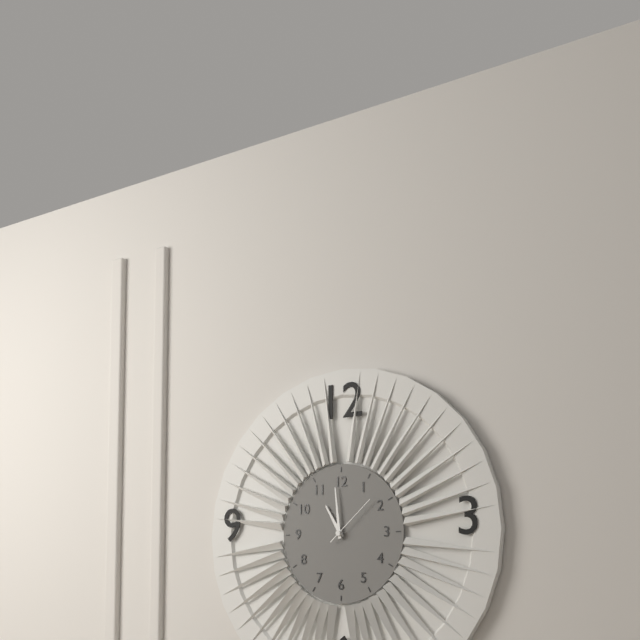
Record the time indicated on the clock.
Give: 10:59:08
